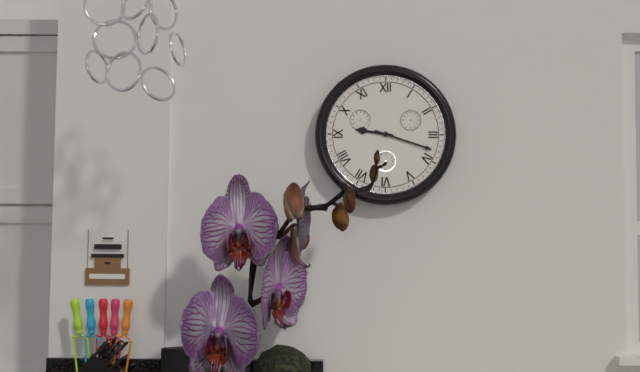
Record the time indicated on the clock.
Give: 9:18
